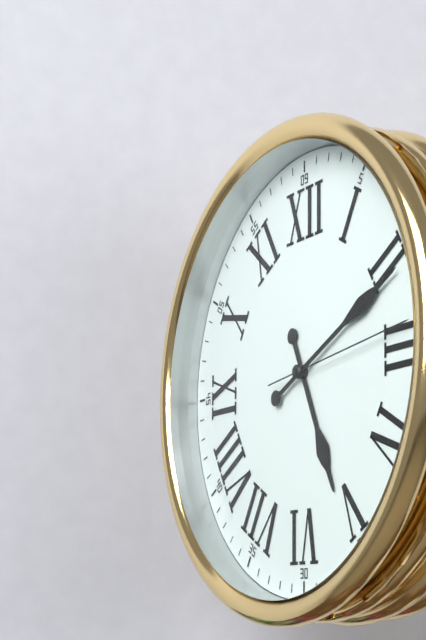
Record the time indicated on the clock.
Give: 5:11:14
